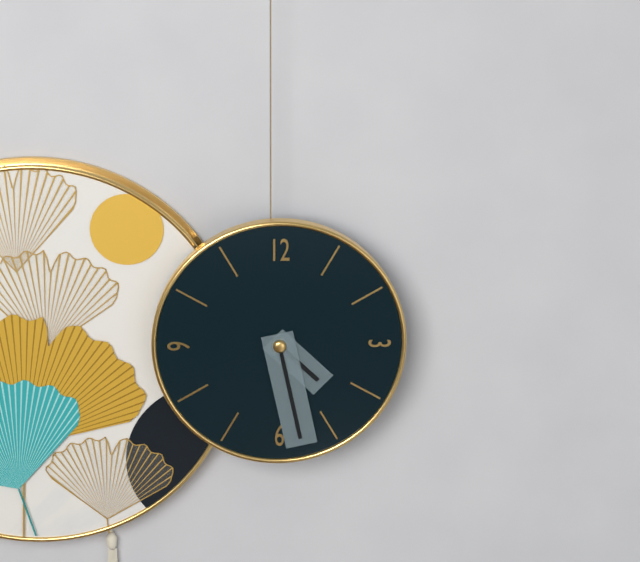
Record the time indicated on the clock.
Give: 4:28
